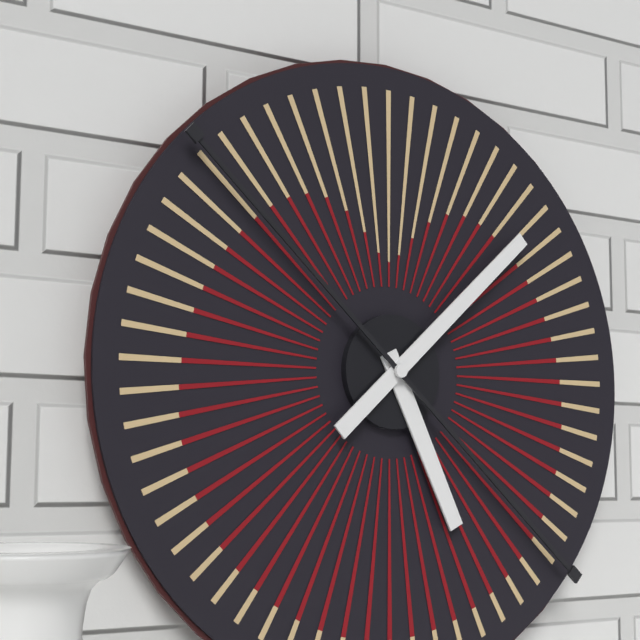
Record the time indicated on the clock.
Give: 5:08
